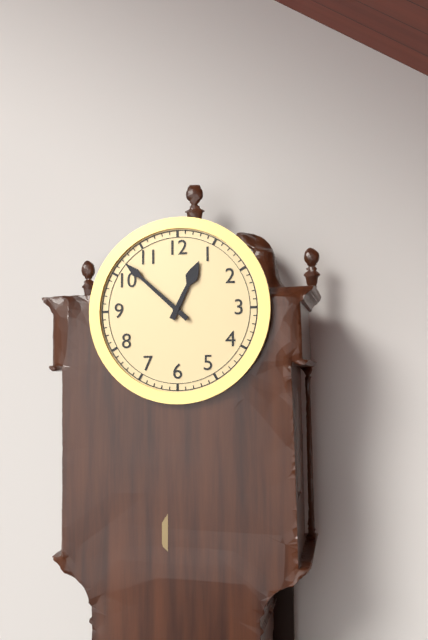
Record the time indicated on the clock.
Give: 12:52
